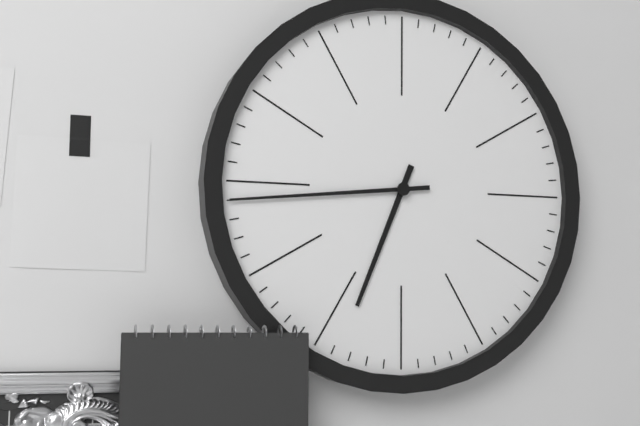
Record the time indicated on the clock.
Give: 6:44
